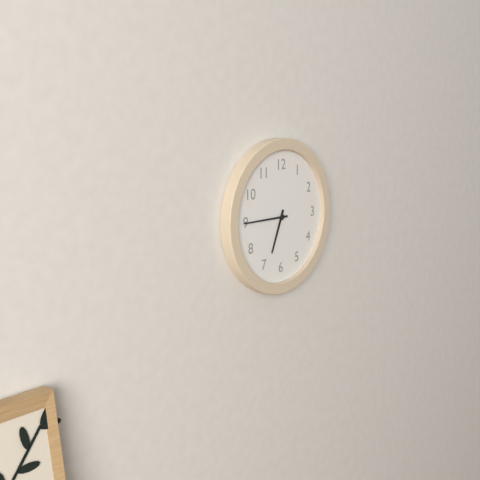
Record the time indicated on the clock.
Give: 6:45
